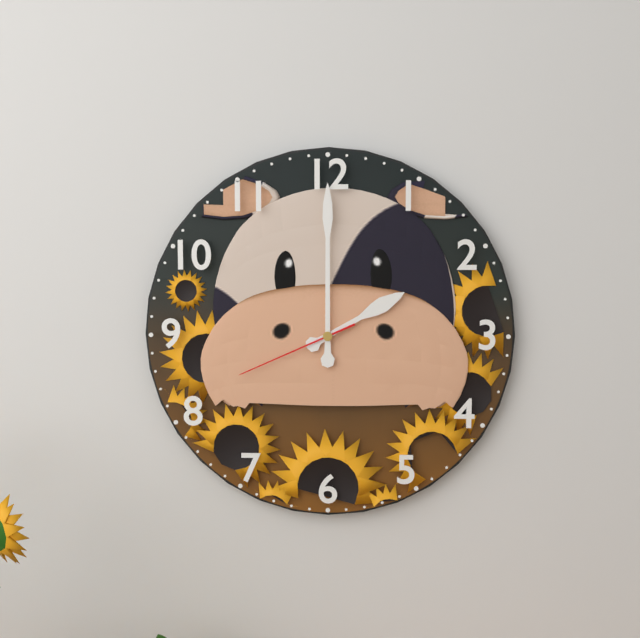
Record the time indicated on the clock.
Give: 2:00:41
